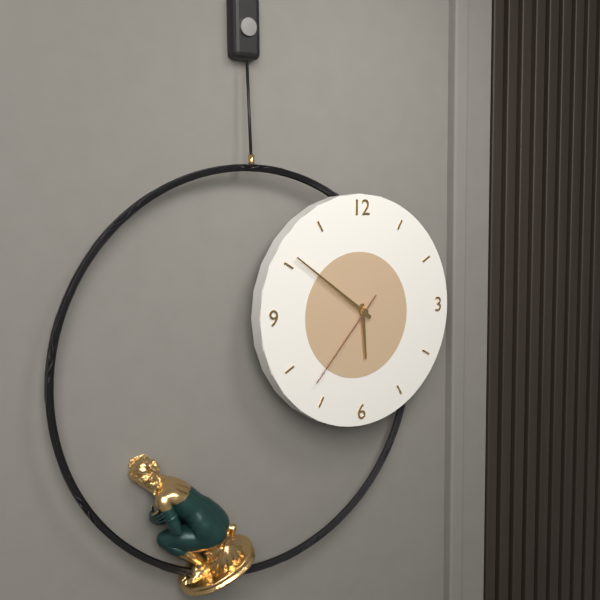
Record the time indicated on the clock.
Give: 5:51:37
